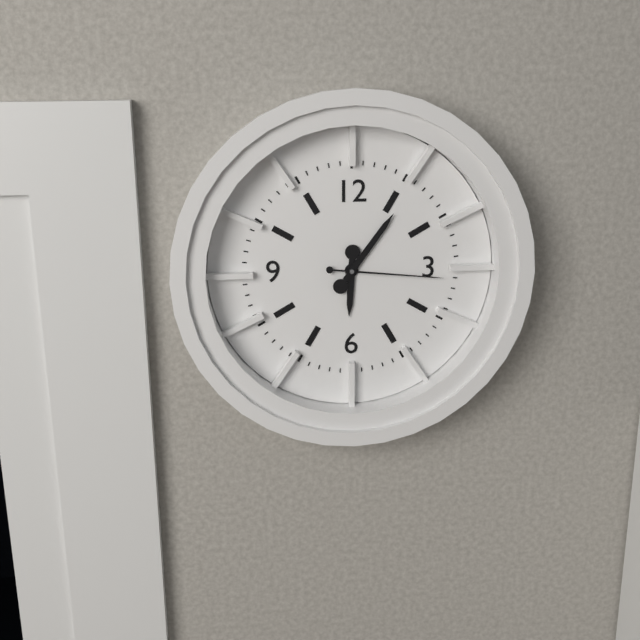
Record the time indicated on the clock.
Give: 6:06:16
